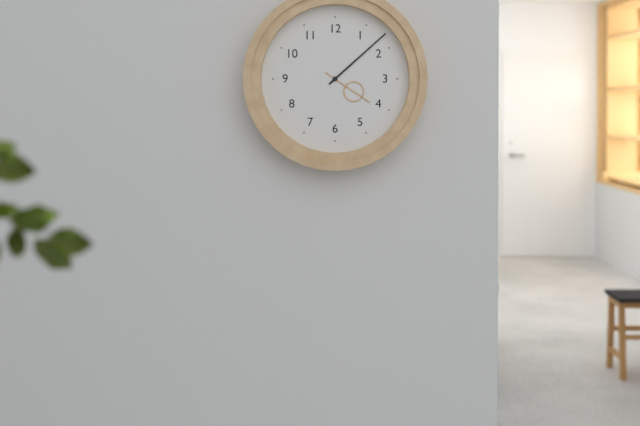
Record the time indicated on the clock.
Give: 4:08
